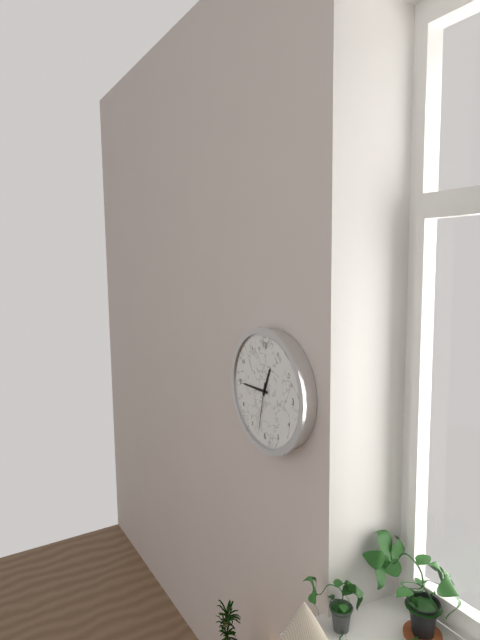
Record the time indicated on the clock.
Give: 12:45
